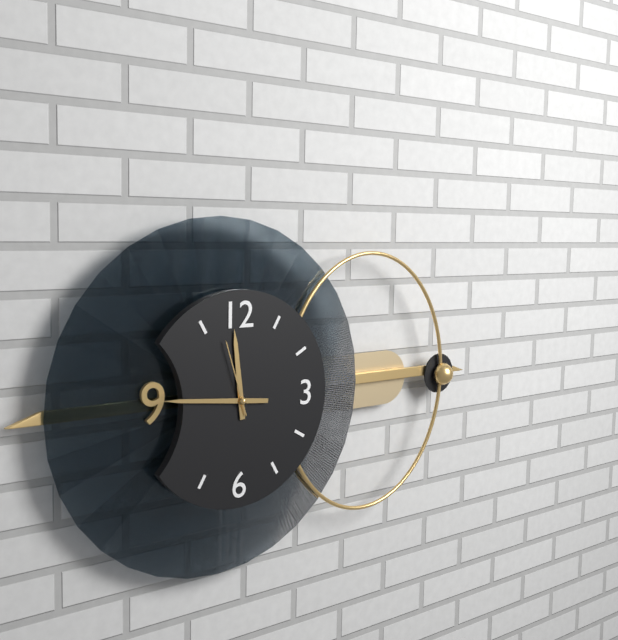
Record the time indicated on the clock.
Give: 11:46:57
